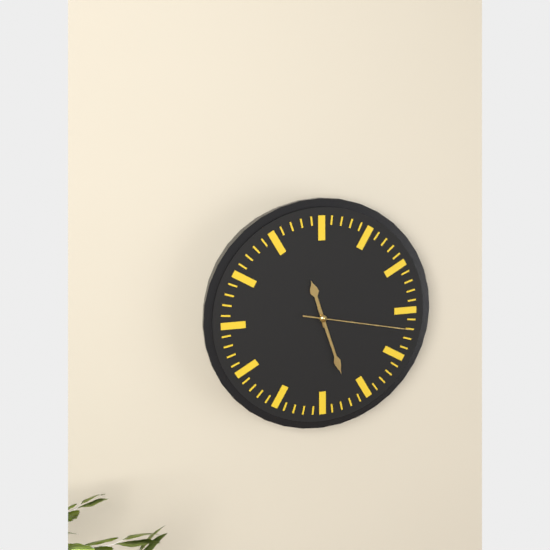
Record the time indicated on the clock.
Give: 11:27:17
